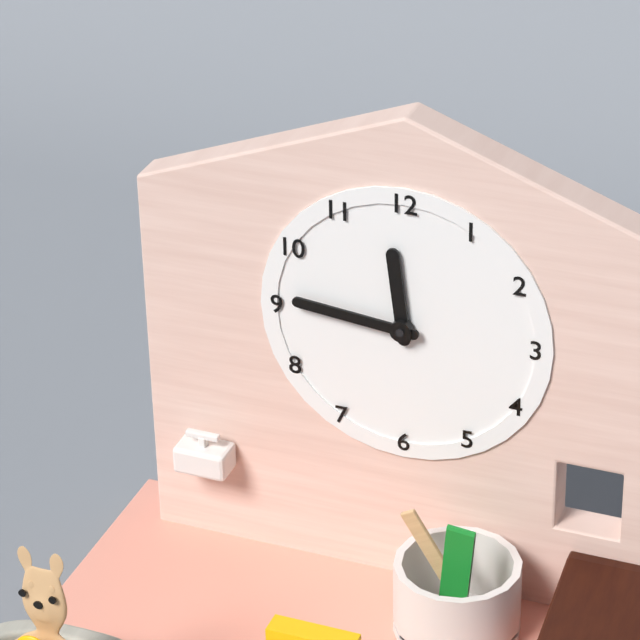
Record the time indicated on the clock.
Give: 11:46
